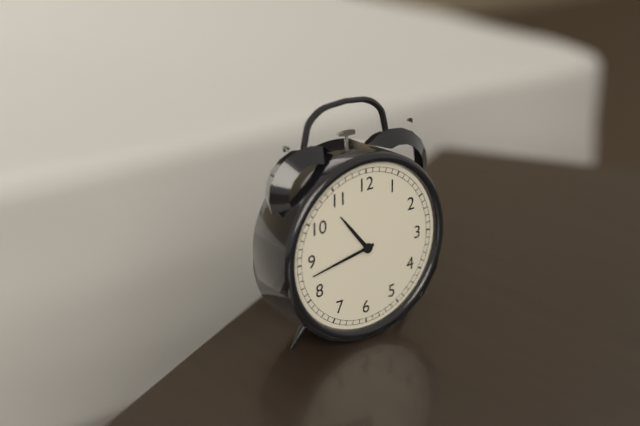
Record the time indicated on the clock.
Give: 10:43
